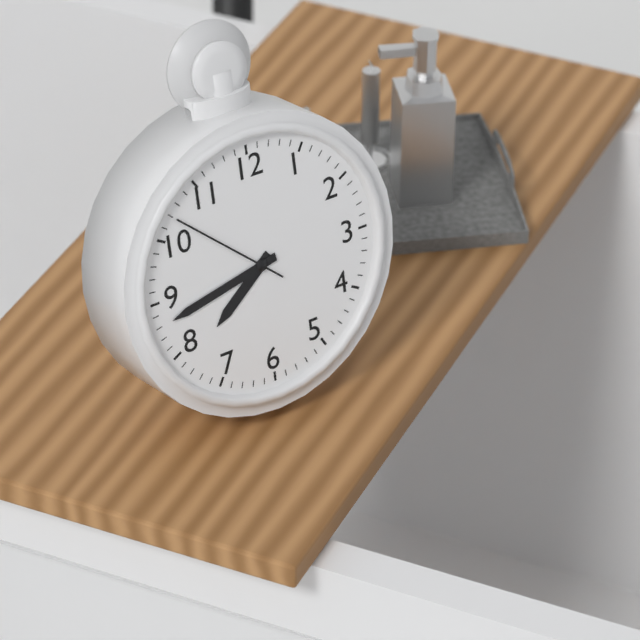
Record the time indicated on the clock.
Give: 7:43:52
